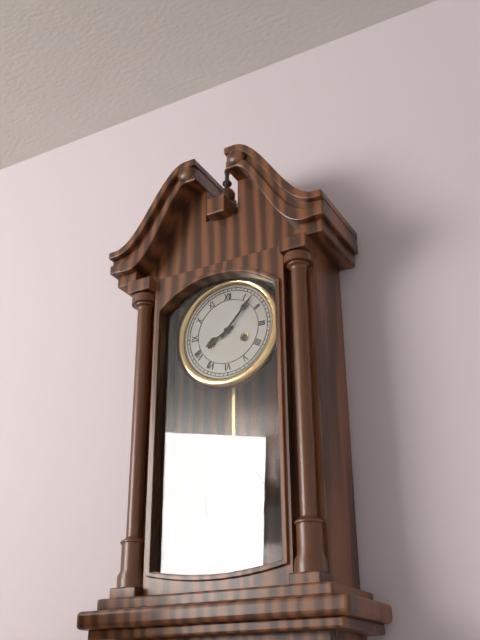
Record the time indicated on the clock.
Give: 8:07
